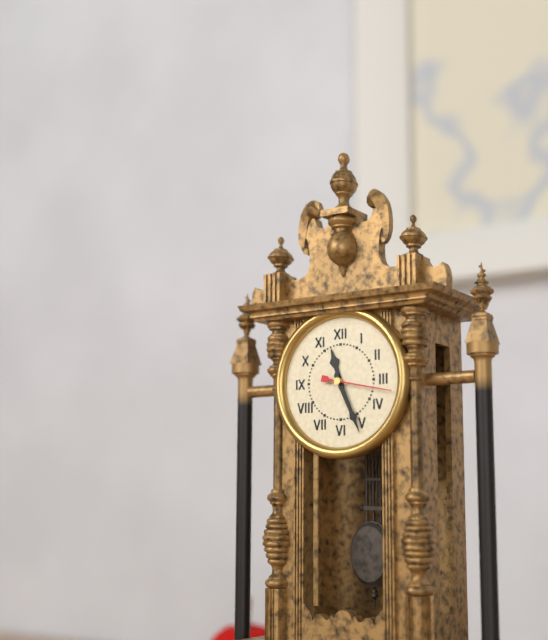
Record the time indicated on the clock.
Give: 11:26:17
